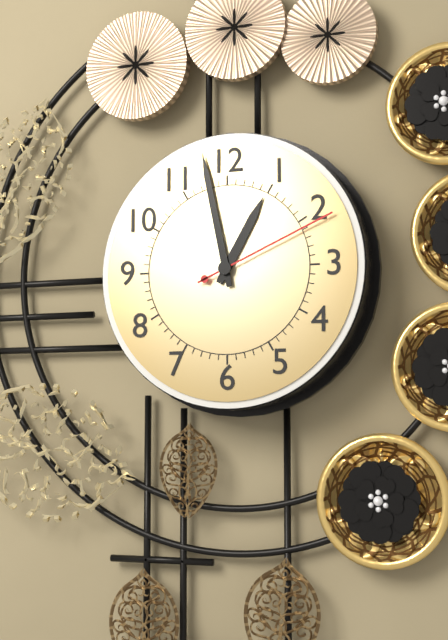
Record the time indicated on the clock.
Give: 12:58:11
